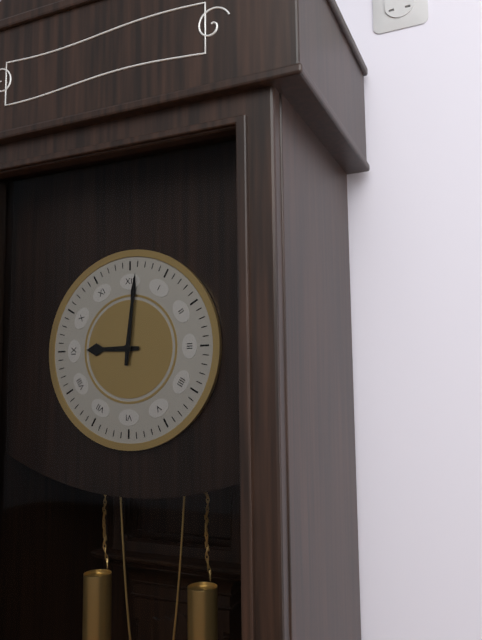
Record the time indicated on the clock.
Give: 9:01
